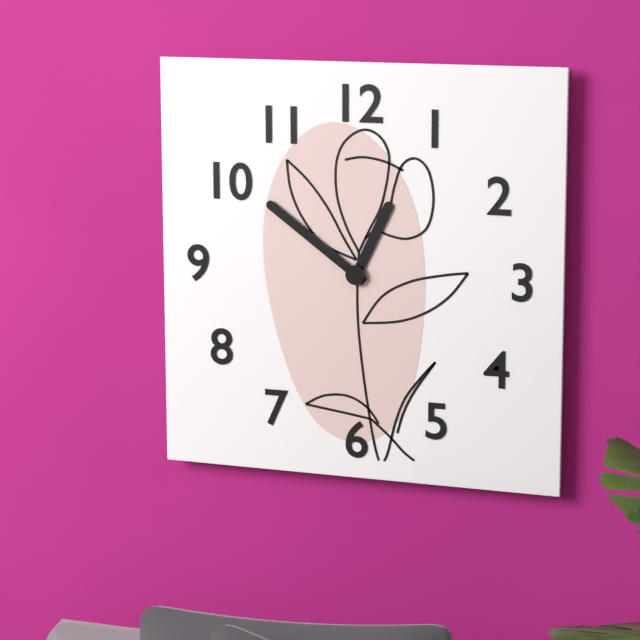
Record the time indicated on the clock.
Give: 12:51
